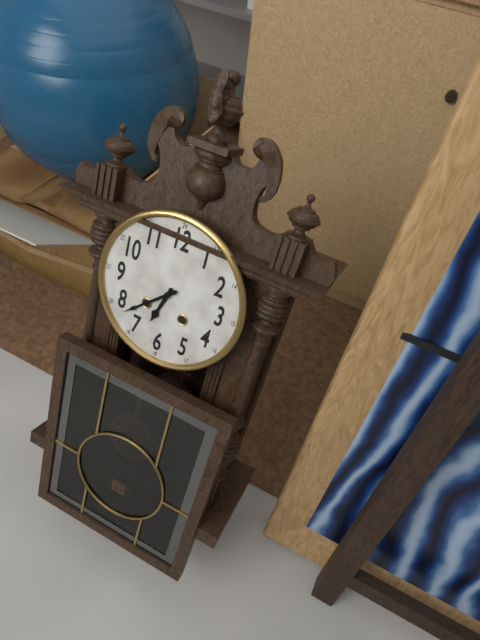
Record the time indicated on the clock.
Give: 6:38
